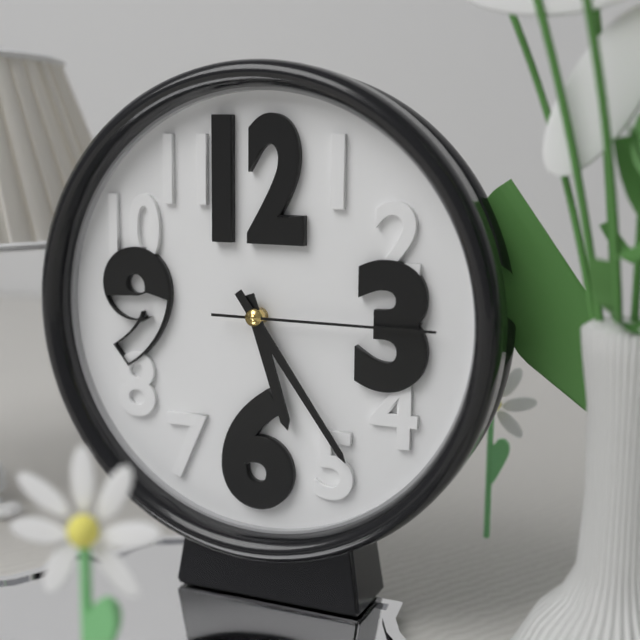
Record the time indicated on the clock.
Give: 5:24:15
